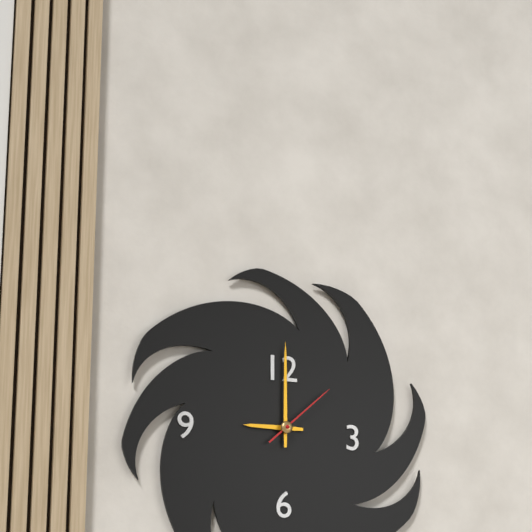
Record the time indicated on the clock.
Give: 9:00:08
